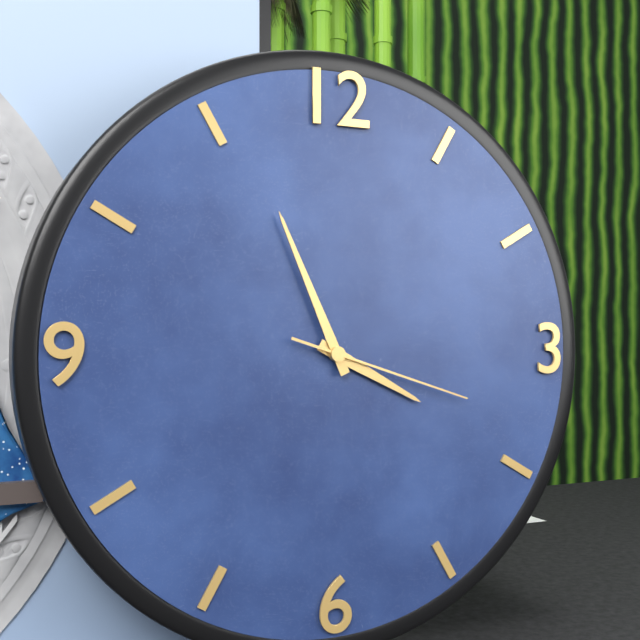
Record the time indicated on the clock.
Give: 3:56:18
